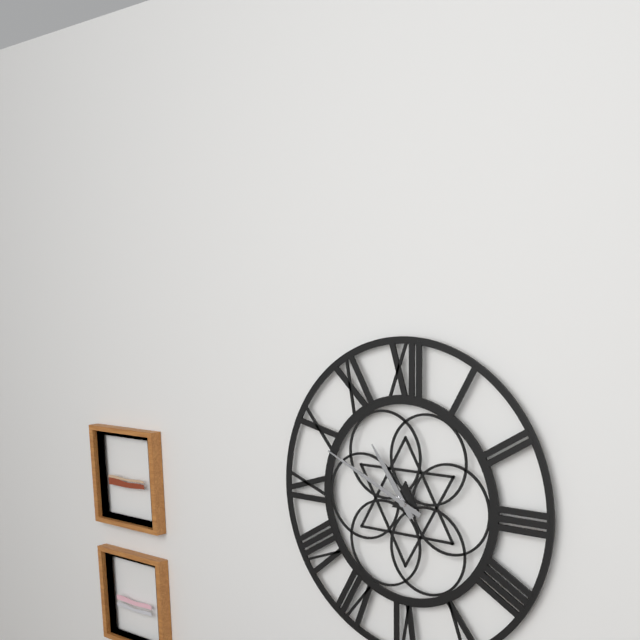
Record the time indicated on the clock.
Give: 10:49
